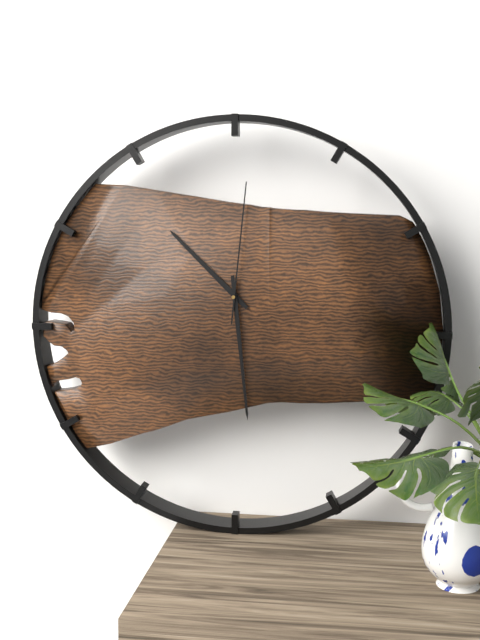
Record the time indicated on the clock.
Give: 10:29:01
